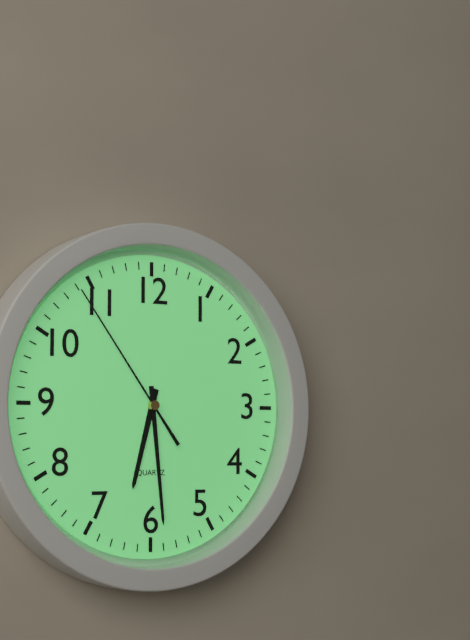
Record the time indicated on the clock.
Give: 6:29:54
